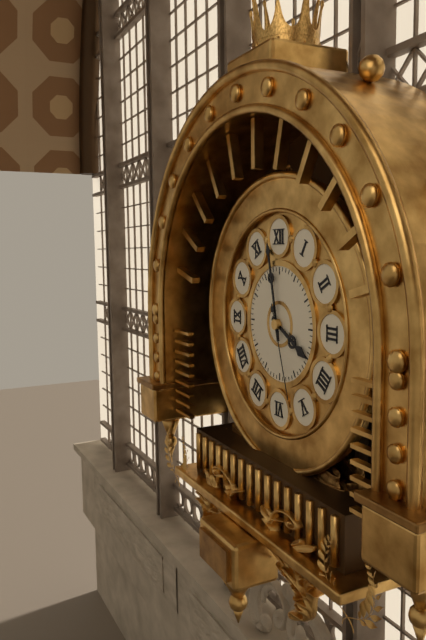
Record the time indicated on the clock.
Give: 3:58:27
